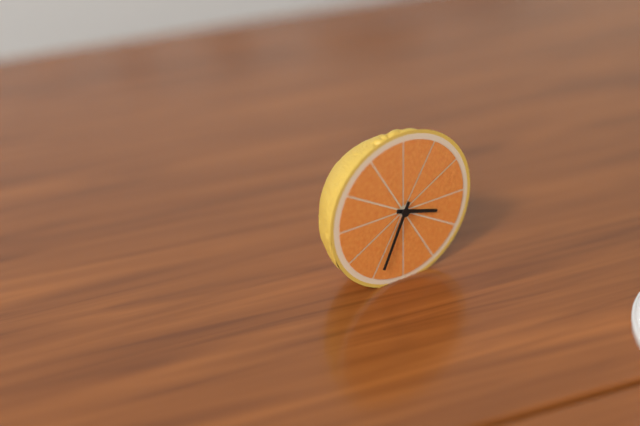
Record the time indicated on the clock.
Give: 3:34
